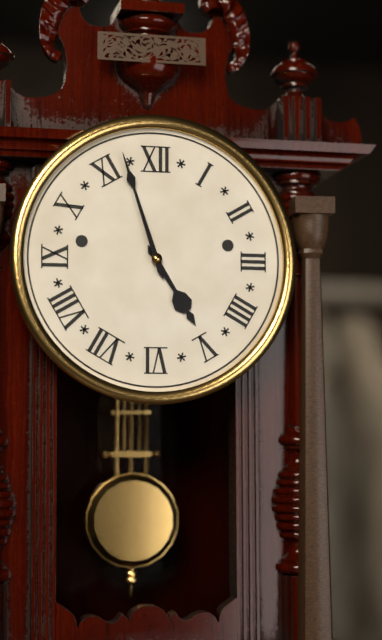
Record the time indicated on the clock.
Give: 4:57
